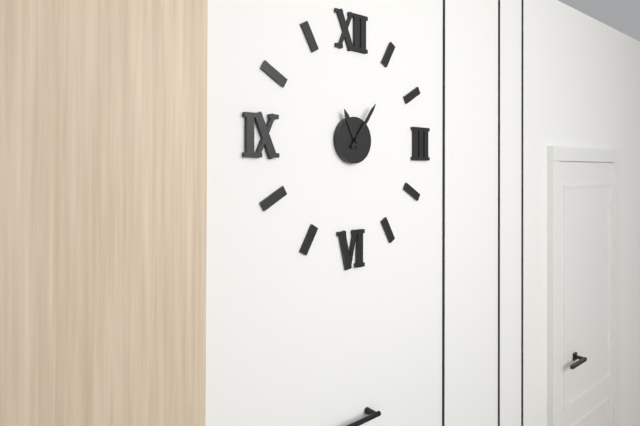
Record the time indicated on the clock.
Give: 11:06
